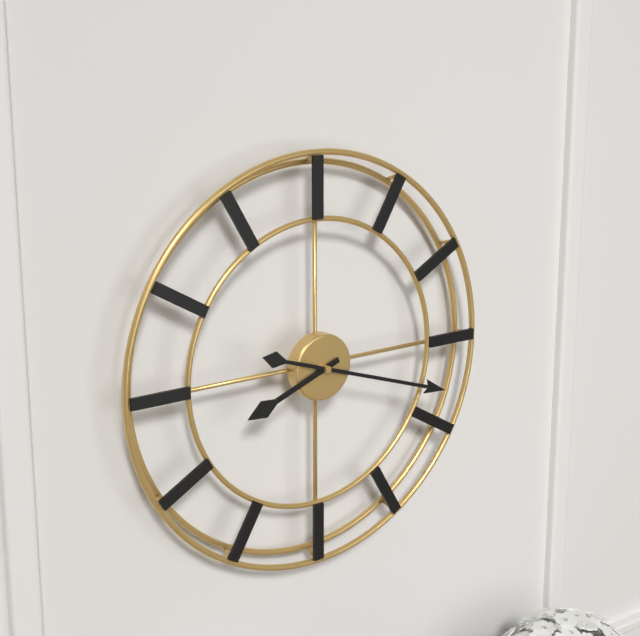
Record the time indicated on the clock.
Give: 8:18
